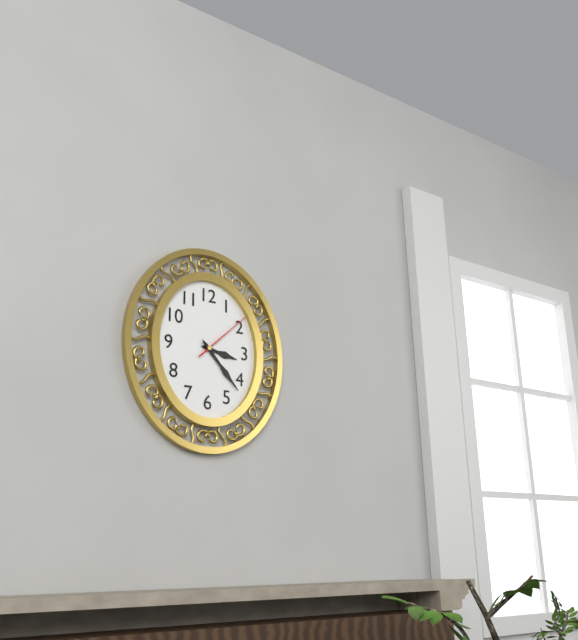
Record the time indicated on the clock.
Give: 3:23:08
